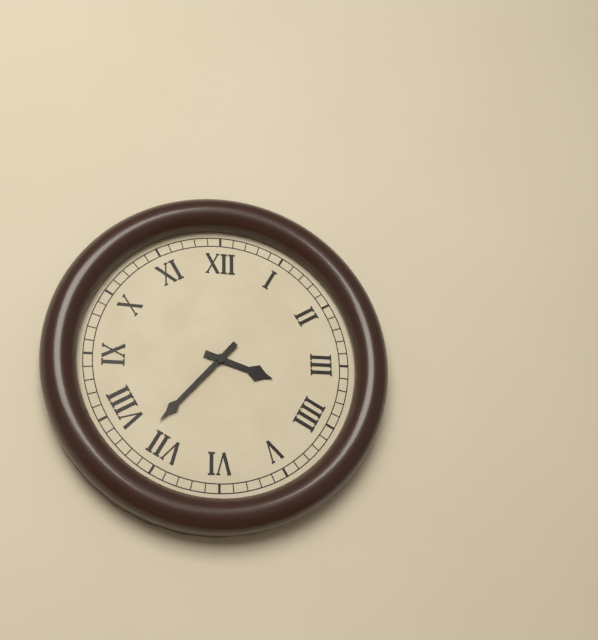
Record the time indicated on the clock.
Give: 3:37
